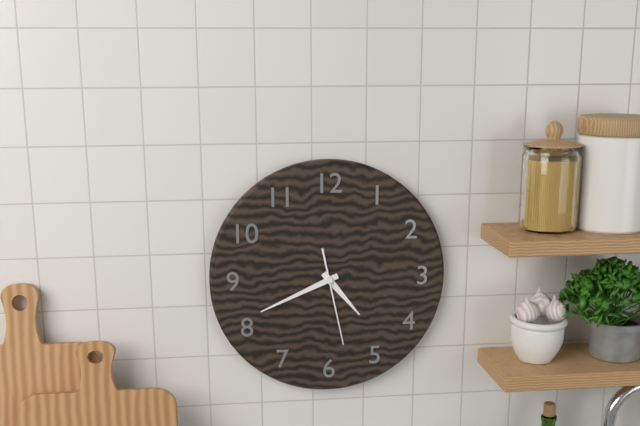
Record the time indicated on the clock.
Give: 4:41:28
